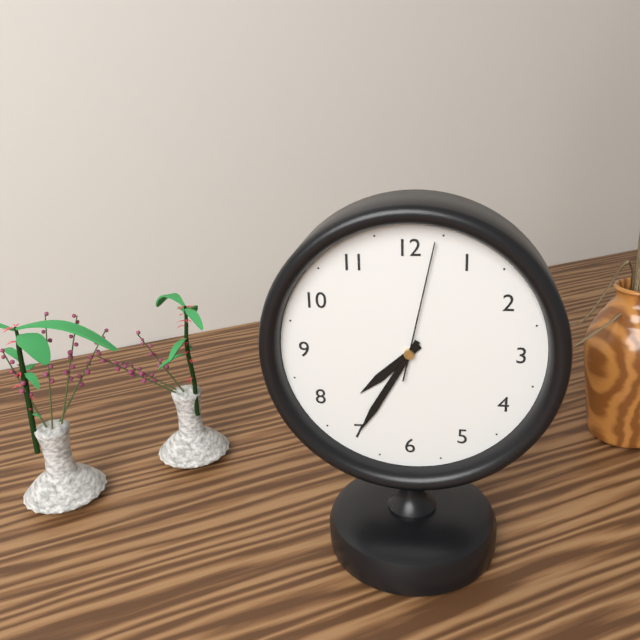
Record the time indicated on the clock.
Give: 7:35:02
